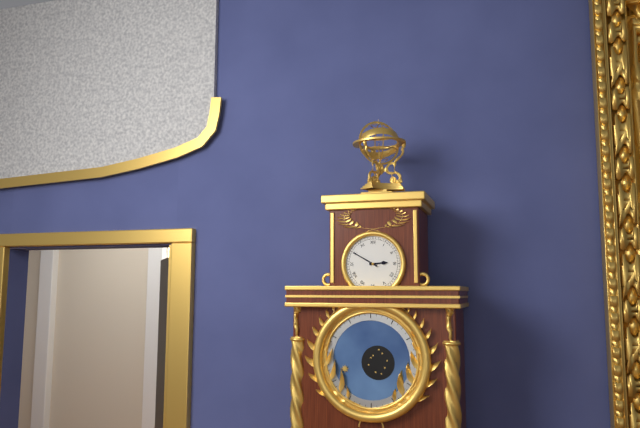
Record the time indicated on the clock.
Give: 2:50
